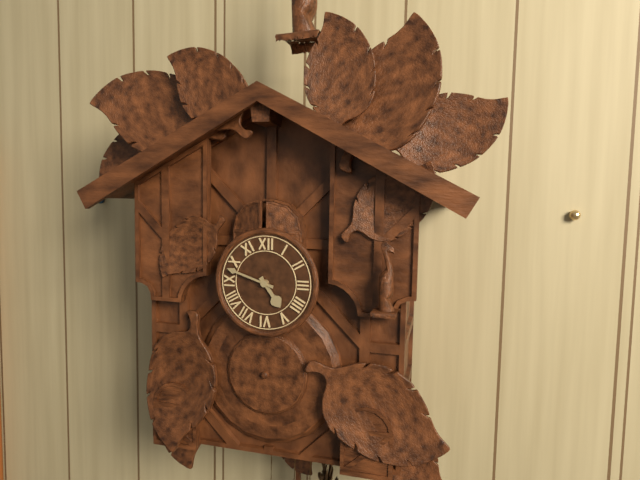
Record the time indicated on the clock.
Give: 4:48
